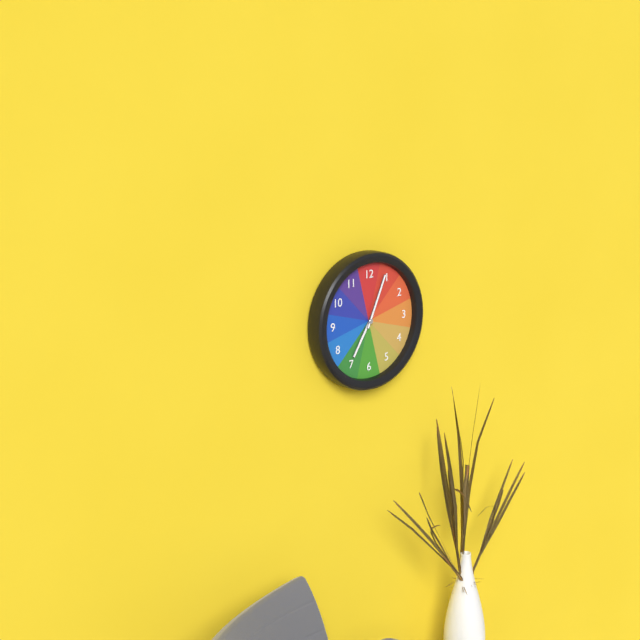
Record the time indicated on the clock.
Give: 7:04
